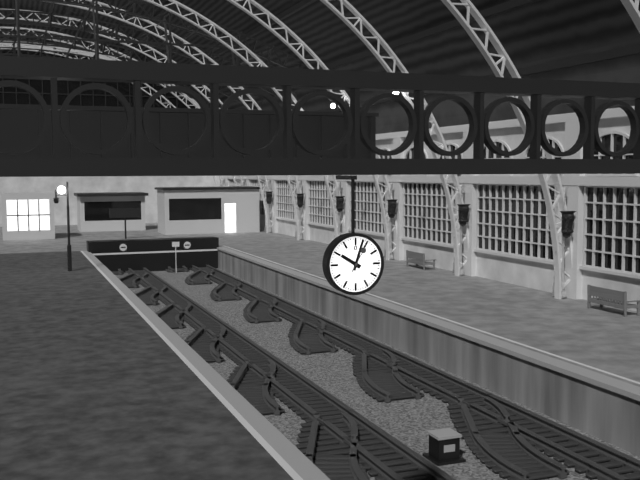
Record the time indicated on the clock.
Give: 10:03
